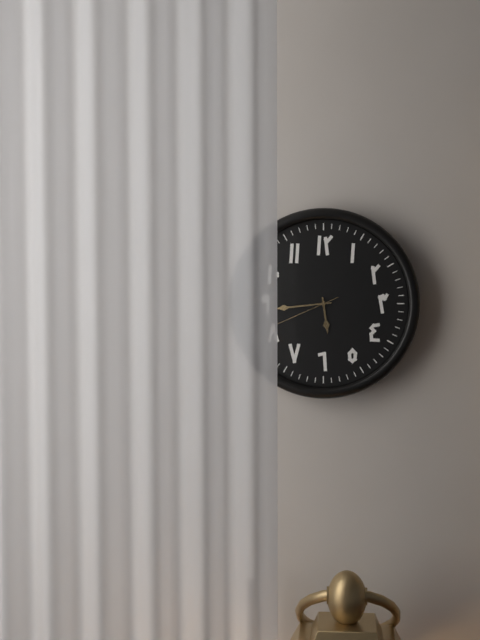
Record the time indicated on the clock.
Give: 5:44:41
